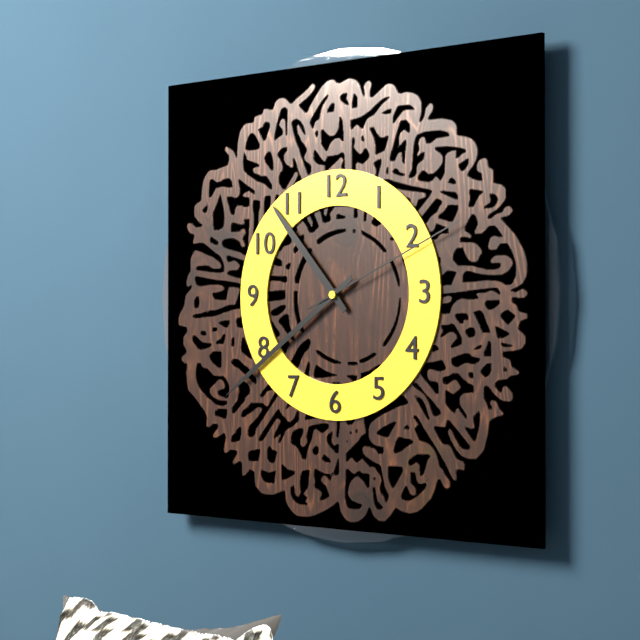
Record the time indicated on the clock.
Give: 10:39:11
